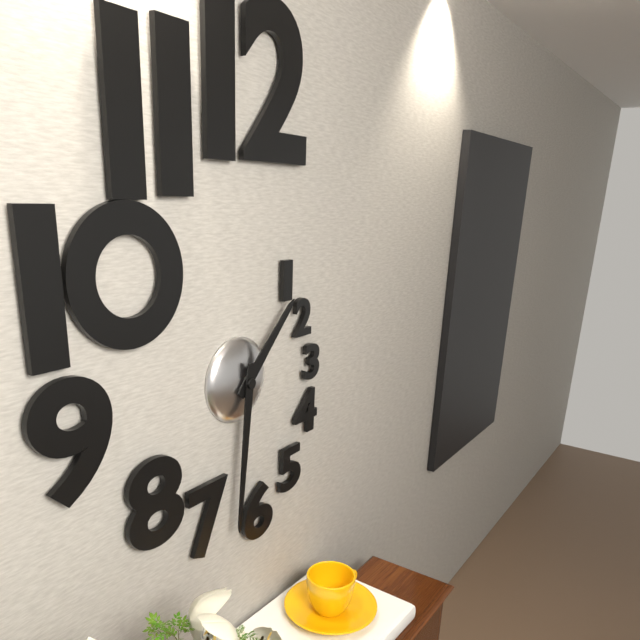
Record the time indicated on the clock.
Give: 1:31
